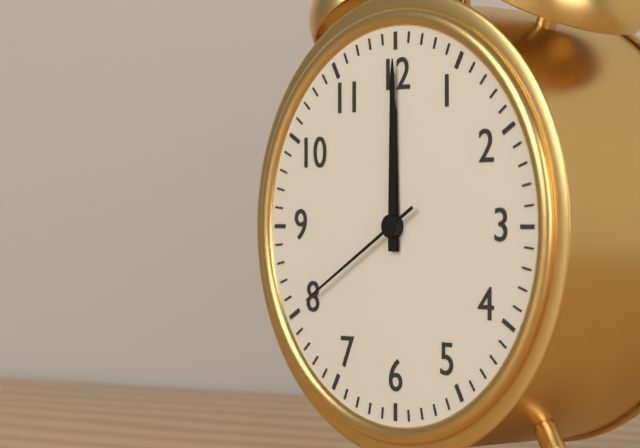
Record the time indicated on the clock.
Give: 12:00:40
